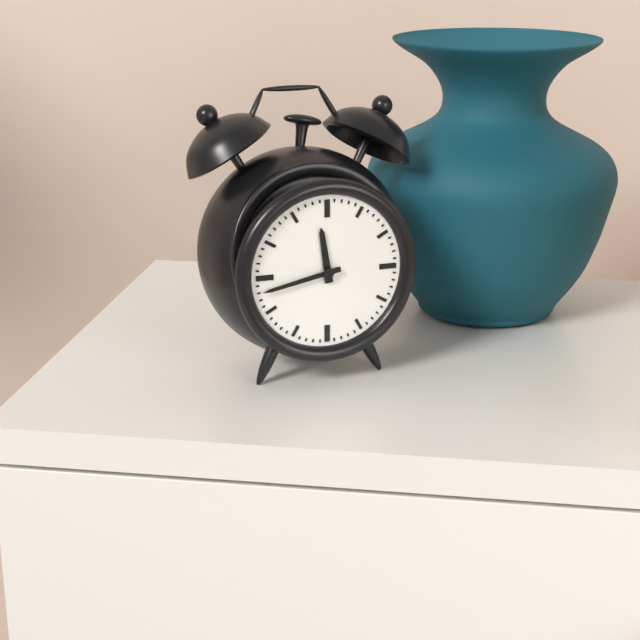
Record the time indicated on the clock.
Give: 11:43
